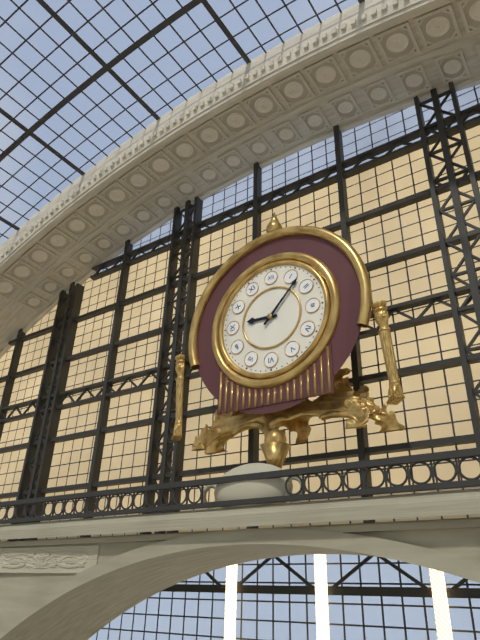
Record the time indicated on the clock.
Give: 9:07
